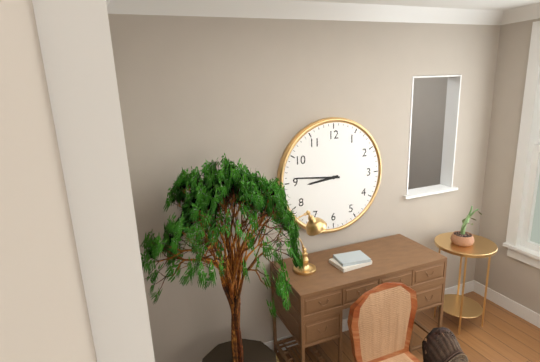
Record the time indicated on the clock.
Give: 8:46
